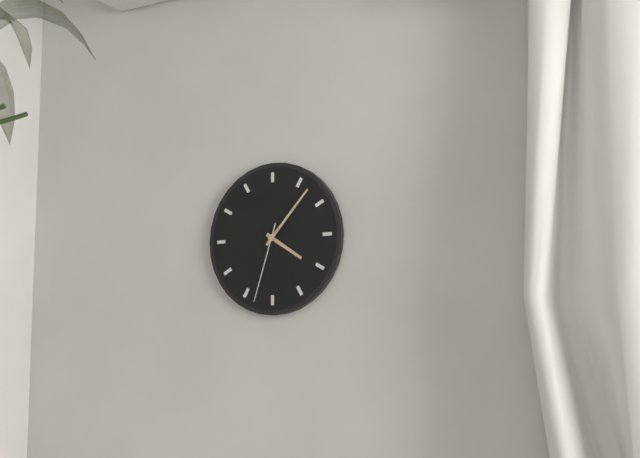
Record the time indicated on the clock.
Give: 4:07:33
